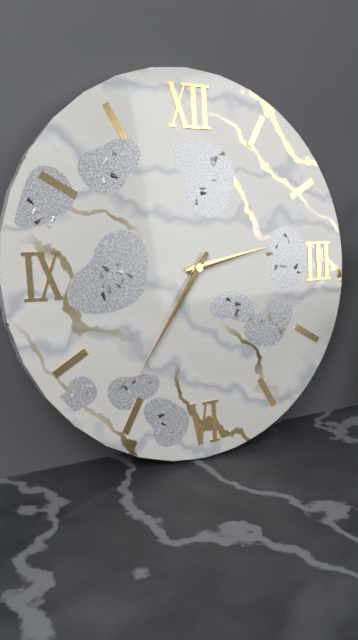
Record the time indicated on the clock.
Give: 2:36
